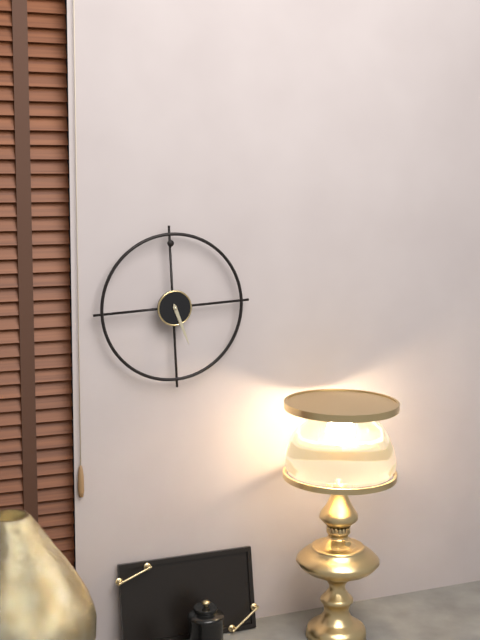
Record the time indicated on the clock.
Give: 5:27
